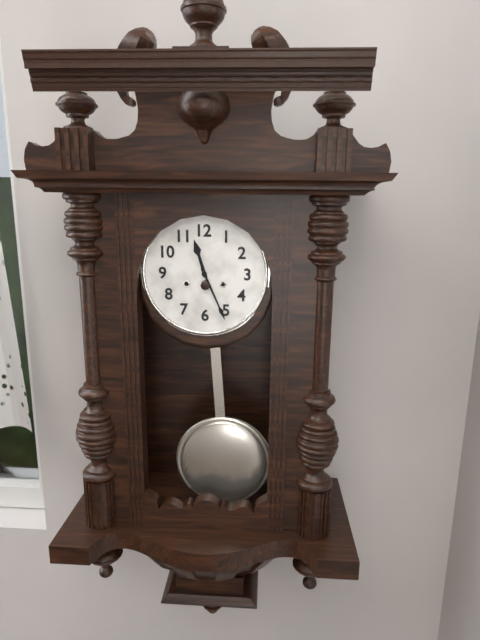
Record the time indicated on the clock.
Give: 11:26
